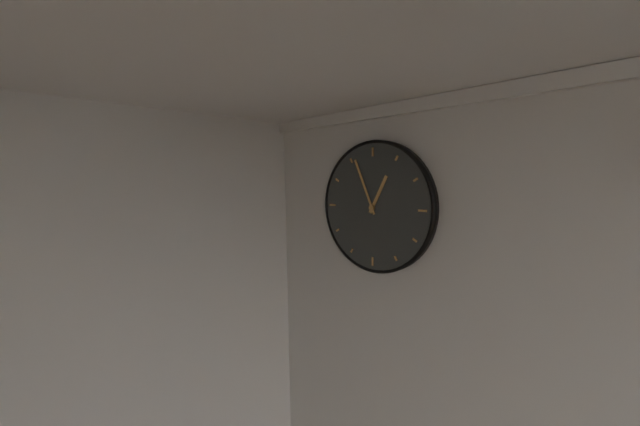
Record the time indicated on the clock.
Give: 12:56
